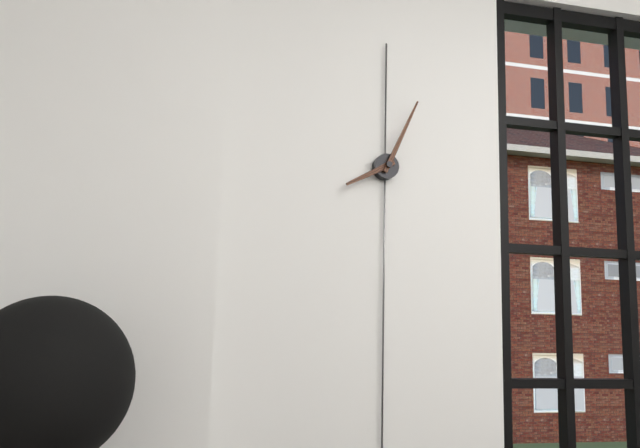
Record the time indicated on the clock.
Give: 8:04
